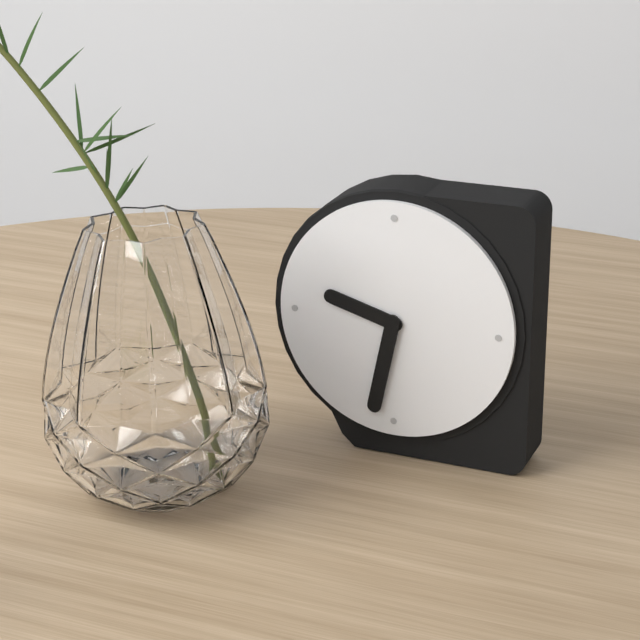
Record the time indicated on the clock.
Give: 9:32
